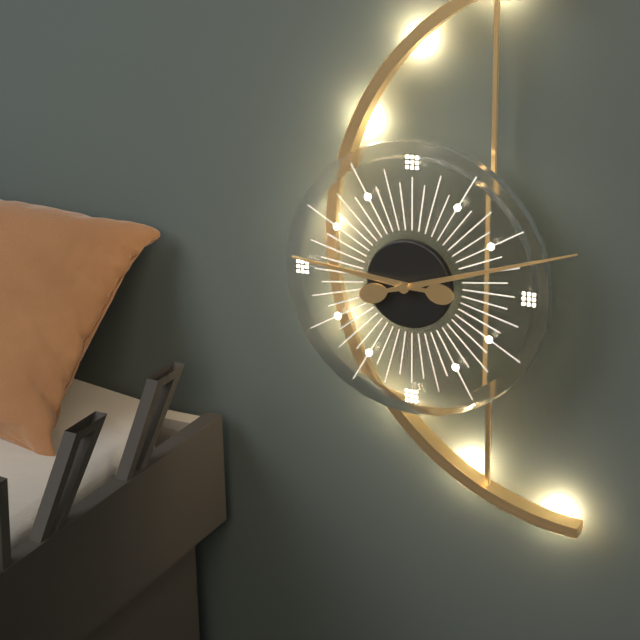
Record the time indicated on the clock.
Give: 9:12
